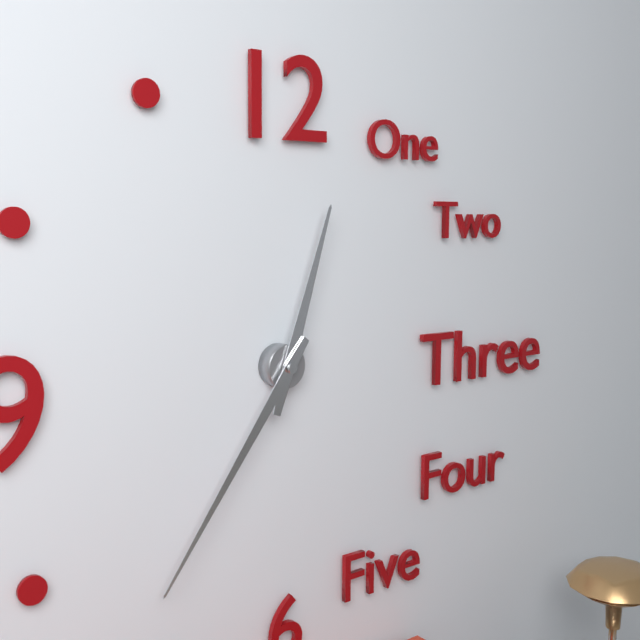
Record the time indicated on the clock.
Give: 12:36
